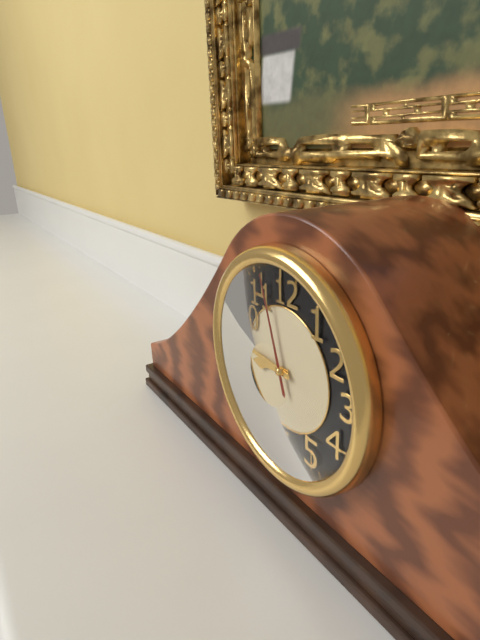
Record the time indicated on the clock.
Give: 8:46:57
